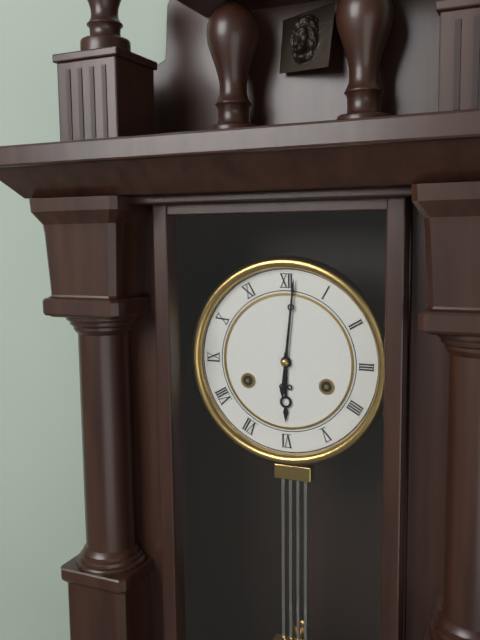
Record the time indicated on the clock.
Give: 6:01
